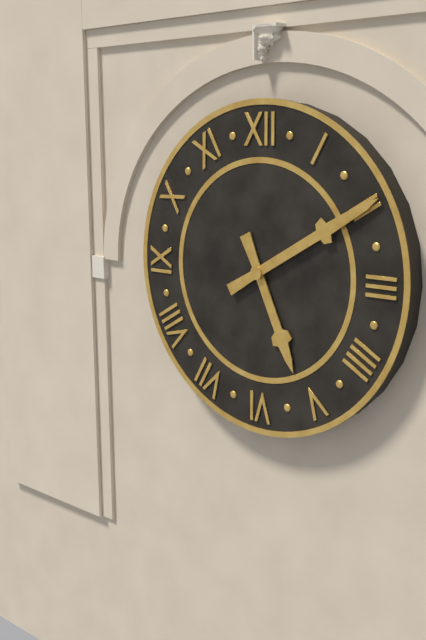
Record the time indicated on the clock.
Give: 5:10
